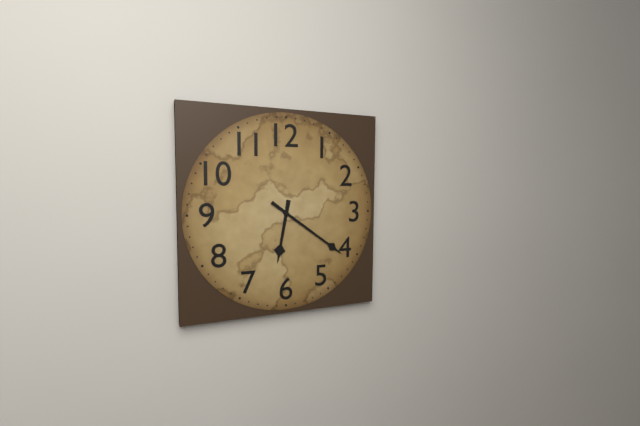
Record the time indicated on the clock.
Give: 6:21
